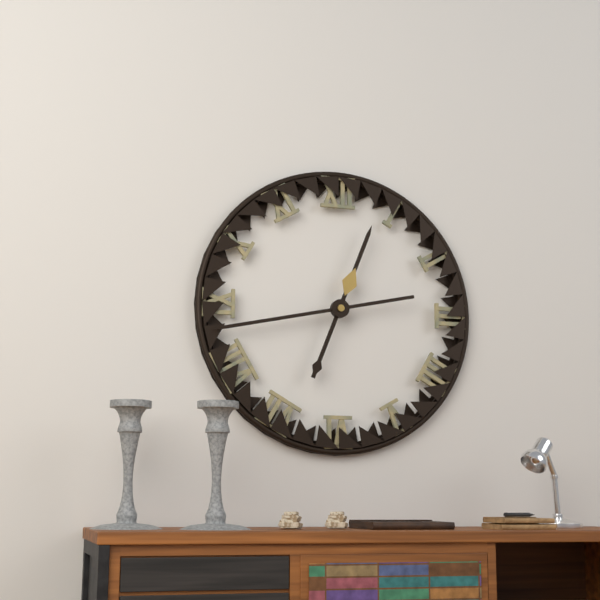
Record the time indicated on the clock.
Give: 12:43
